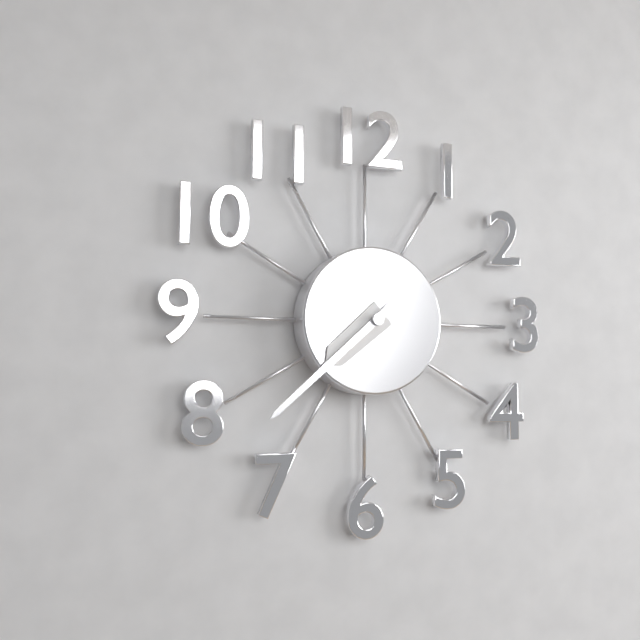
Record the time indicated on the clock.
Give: 7:38
